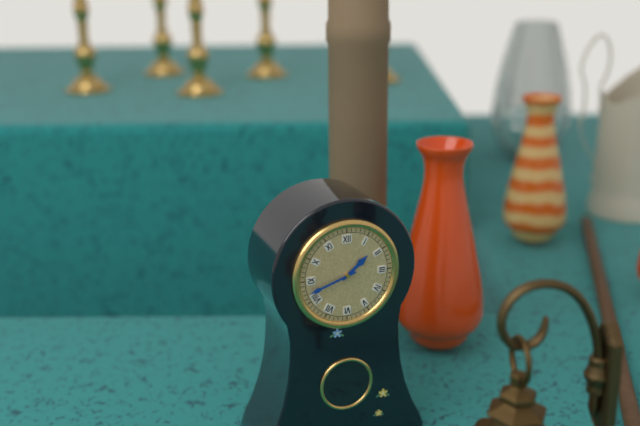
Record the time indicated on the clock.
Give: 1:42
